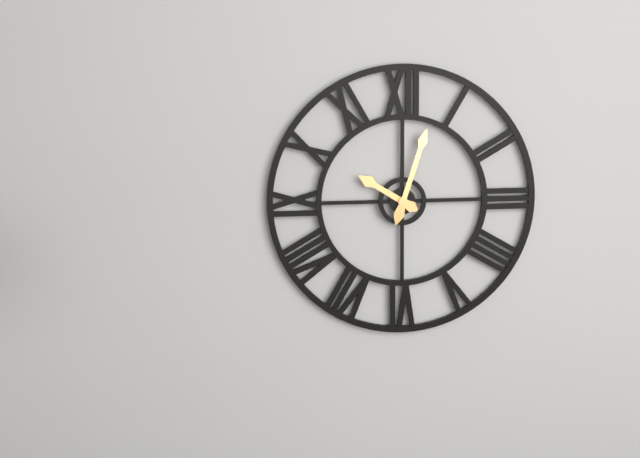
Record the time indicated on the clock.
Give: 10:03
